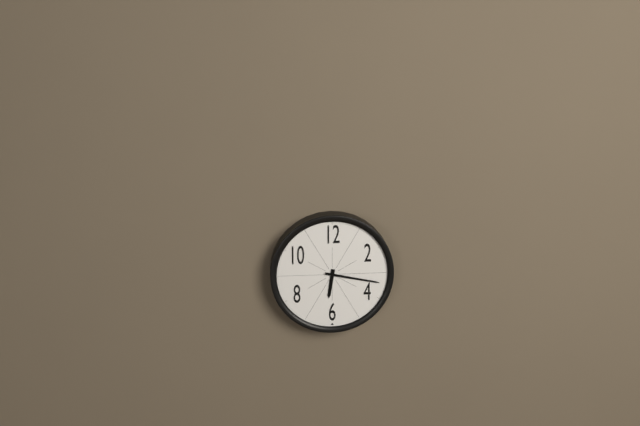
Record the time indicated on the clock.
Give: 6:17
